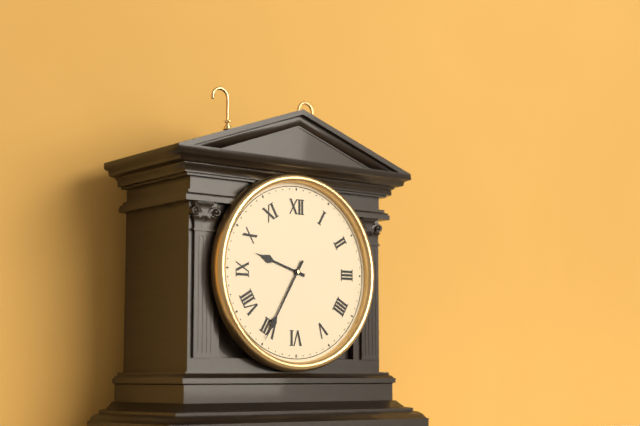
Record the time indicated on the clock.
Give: 9:35
